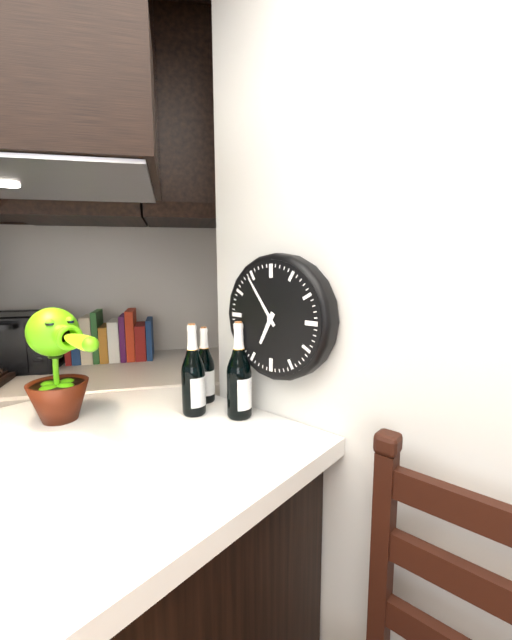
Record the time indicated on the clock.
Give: 6:54
